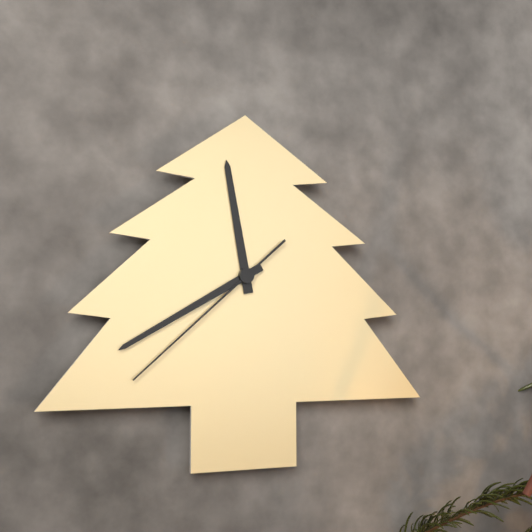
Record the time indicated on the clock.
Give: 11:40:38
